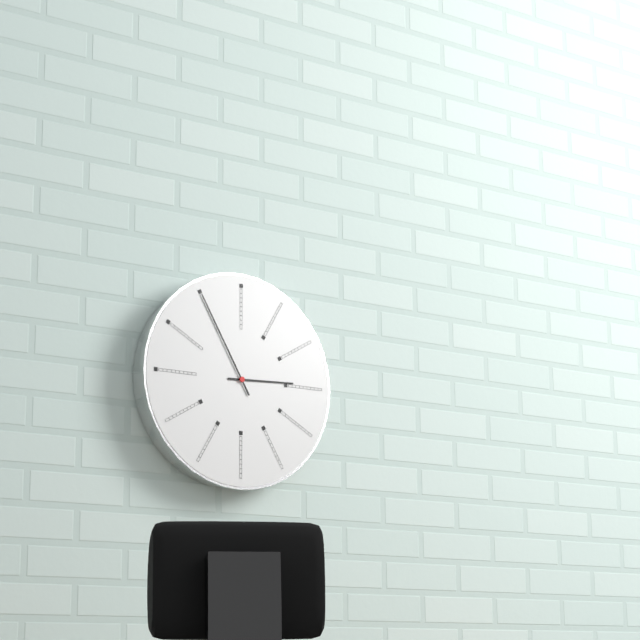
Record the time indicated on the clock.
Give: 2:55
